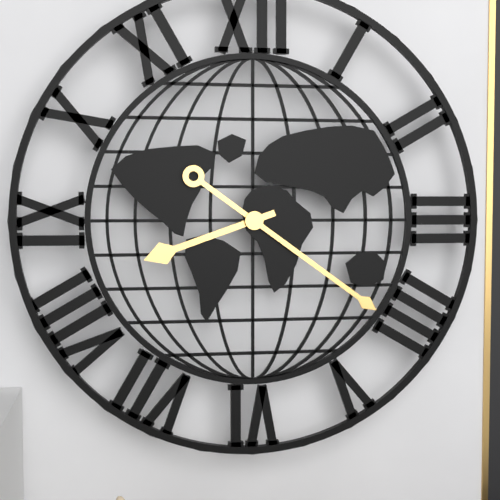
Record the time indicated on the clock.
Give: 8:21
